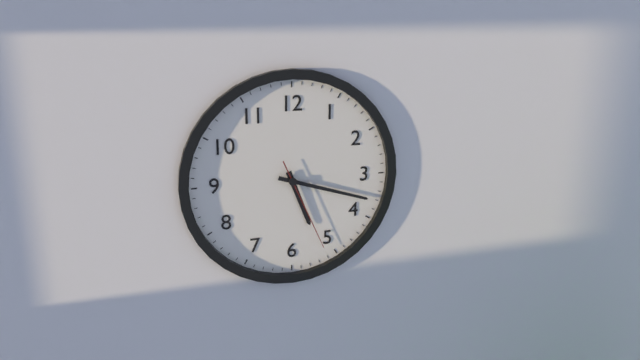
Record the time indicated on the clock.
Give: 5:18:26
